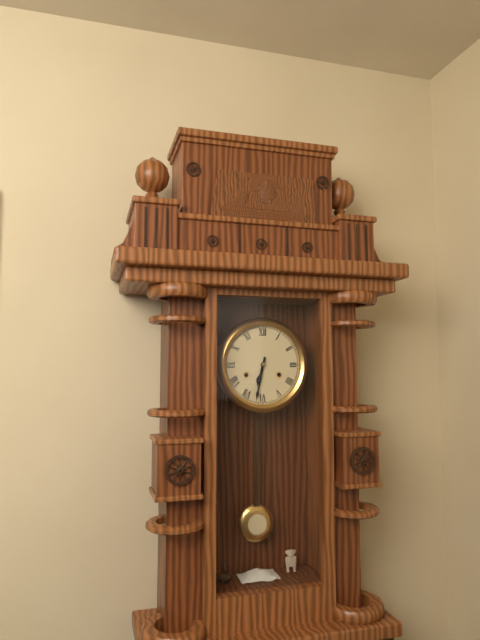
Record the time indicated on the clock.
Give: 6:32
